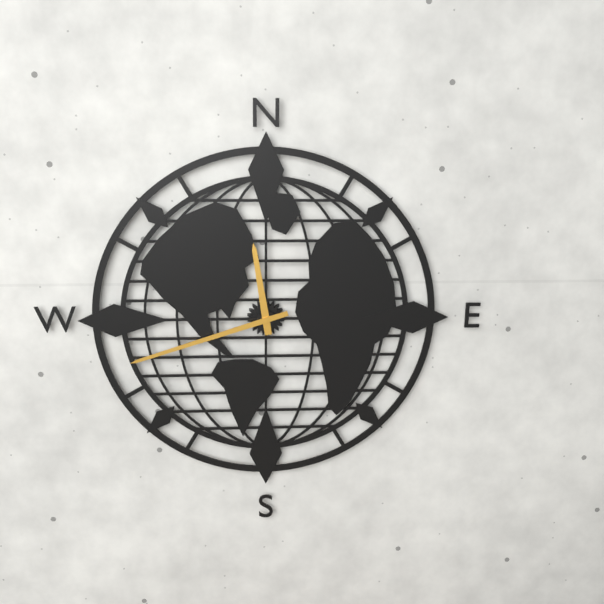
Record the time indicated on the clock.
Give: 11:42
